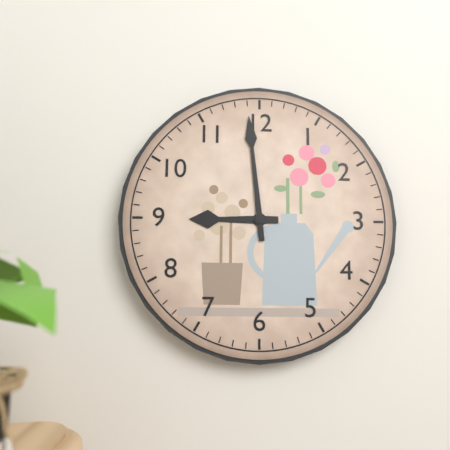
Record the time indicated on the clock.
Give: 8:59
